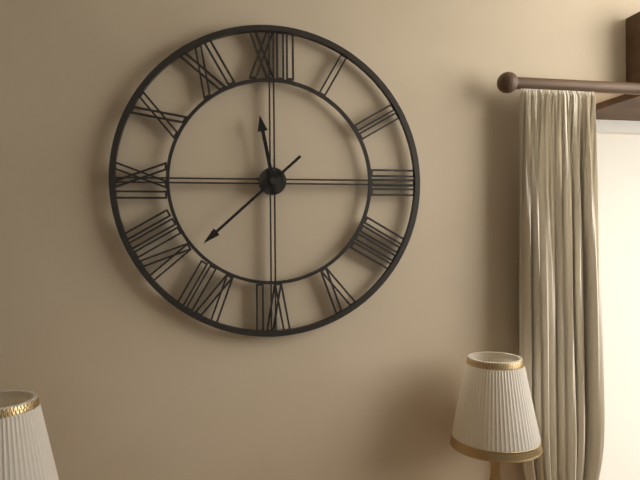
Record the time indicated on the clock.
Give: 11:38
